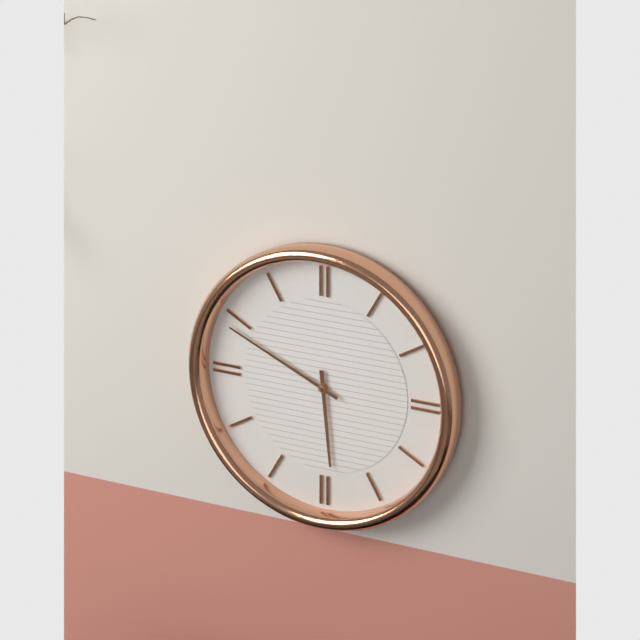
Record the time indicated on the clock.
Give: 5:49
